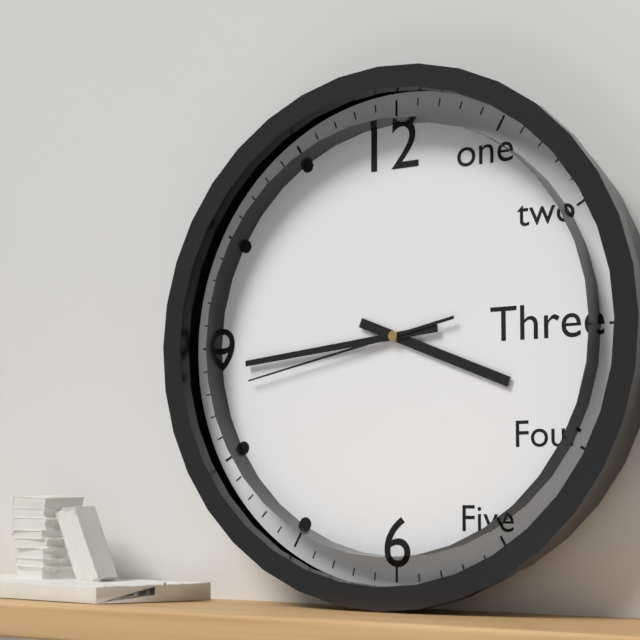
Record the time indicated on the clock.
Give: 3:44:43
